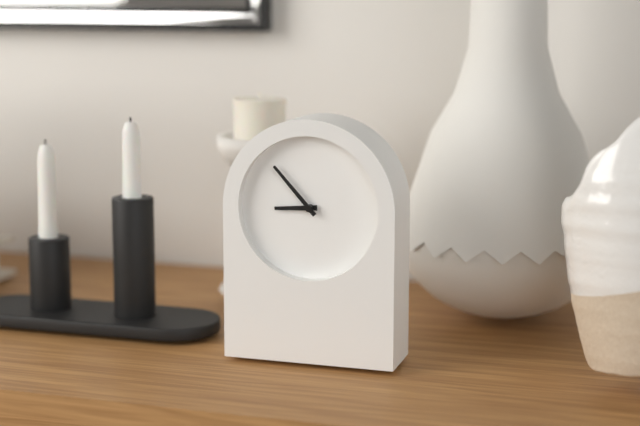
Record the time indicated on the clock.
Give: 8:53
